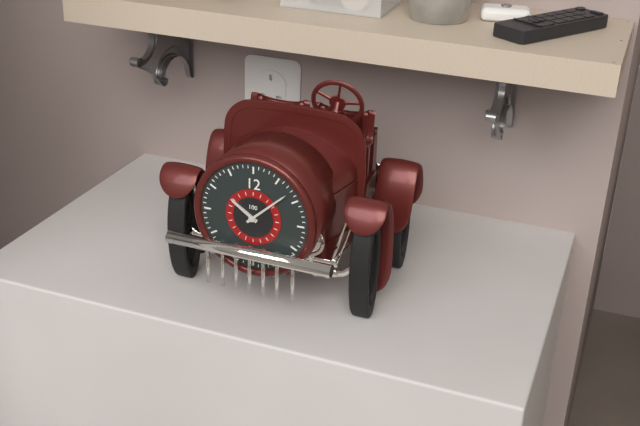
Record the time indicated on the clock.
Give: 10:08
